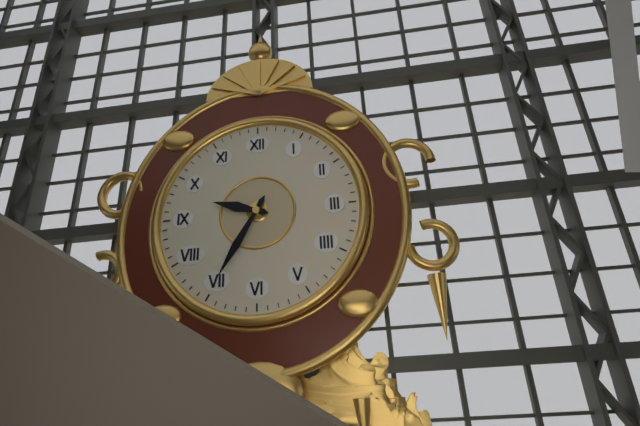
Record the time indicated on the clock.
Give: 9:35
